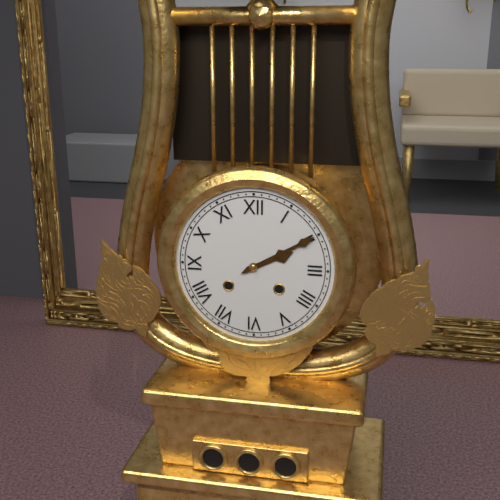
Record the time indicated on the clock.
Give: 2:10
